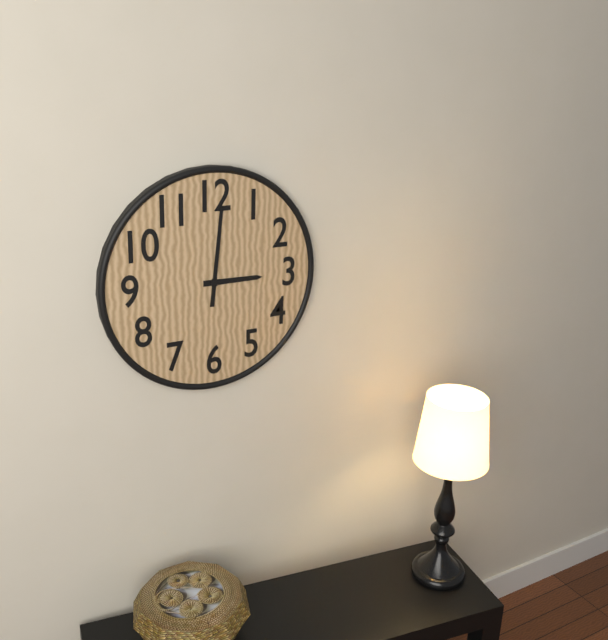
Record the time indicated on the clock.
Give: 3:01
